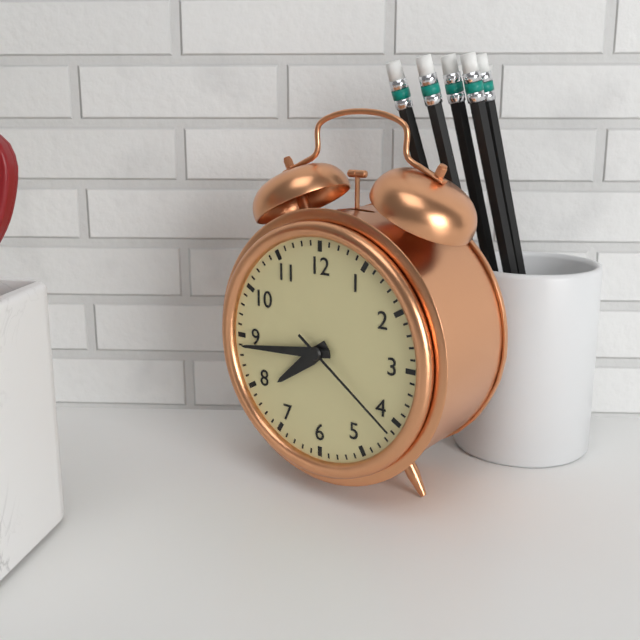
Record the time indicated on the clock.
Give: 7:44:21
